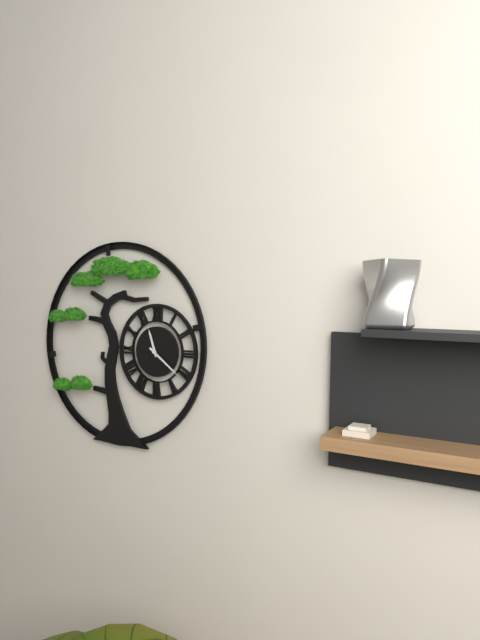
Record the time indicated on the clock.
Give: 11:21
